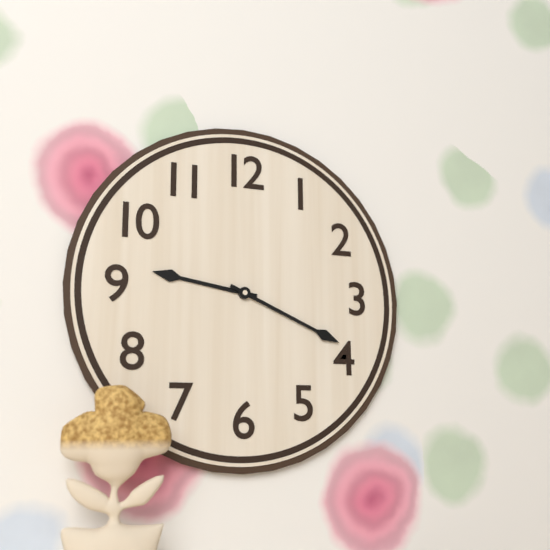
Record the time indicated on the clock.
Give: 9:19
